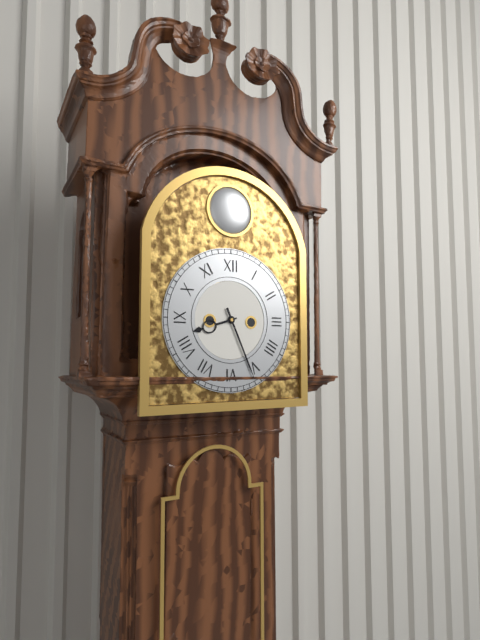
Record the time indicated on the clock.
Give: 8:26
